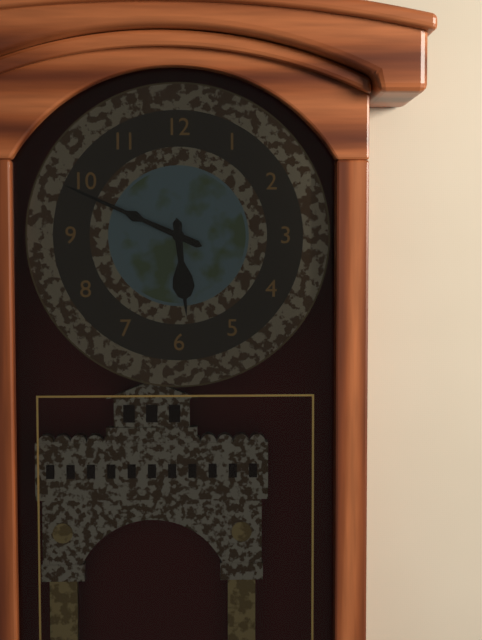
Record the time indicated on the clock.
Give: 5:49
